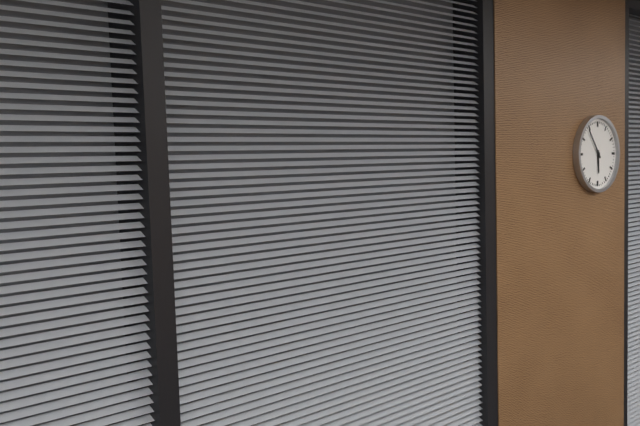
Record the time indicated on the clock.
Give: 5:54
